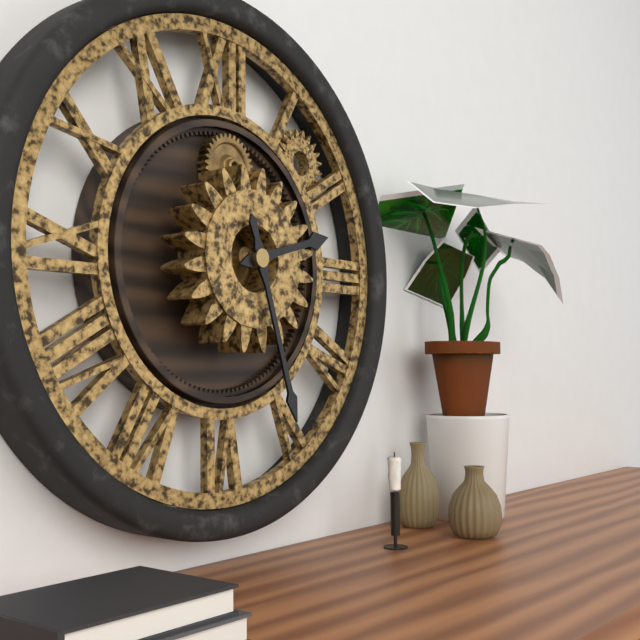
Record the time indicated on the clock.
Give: 2:27
